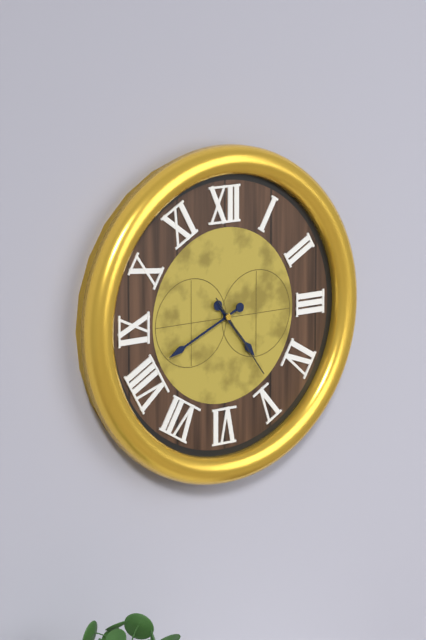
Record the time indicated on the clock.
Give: 4:41:24
